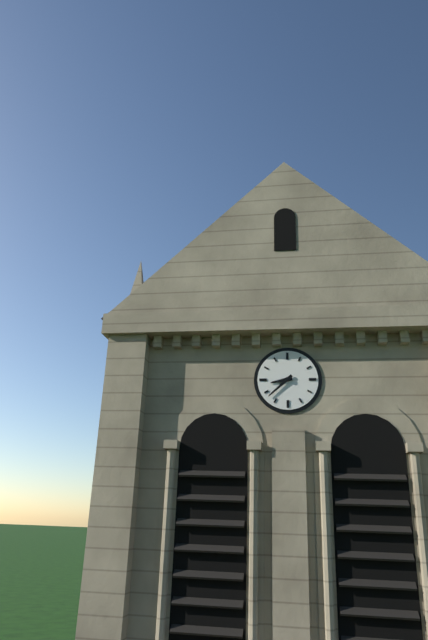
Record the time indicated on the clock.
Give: 8:38
